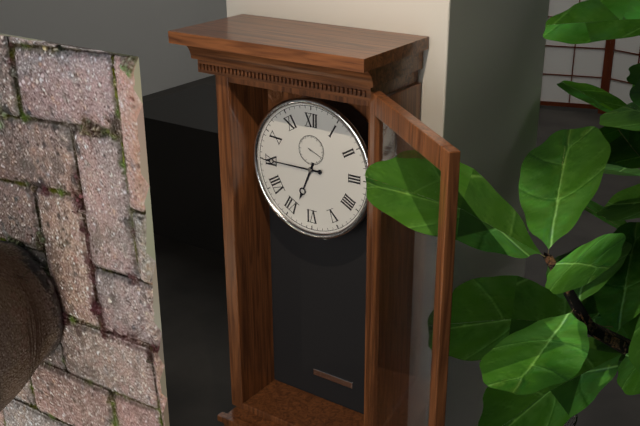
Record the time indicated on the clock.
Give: 6:45
